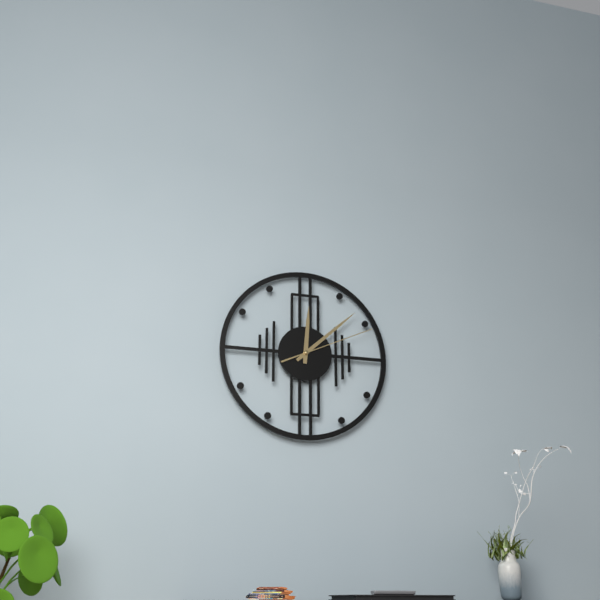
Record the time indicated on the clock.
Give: 12:08:11
